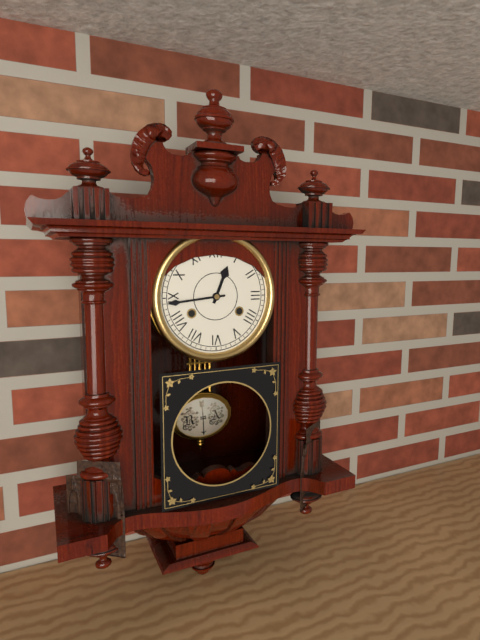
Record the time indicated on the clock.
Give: 12:44
